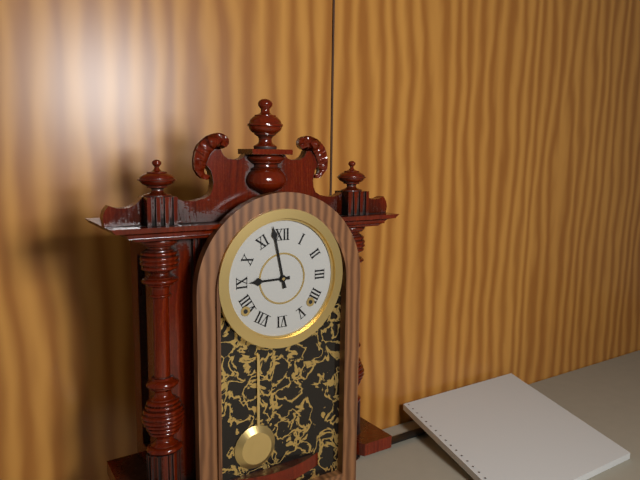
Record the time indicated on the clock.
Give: 8:58
